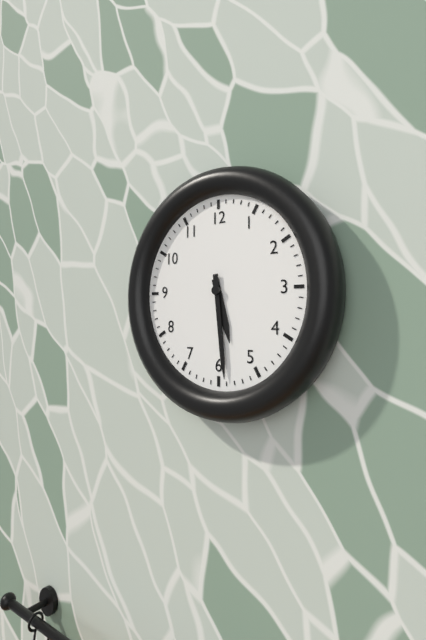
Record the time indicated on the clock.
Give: 5:29
